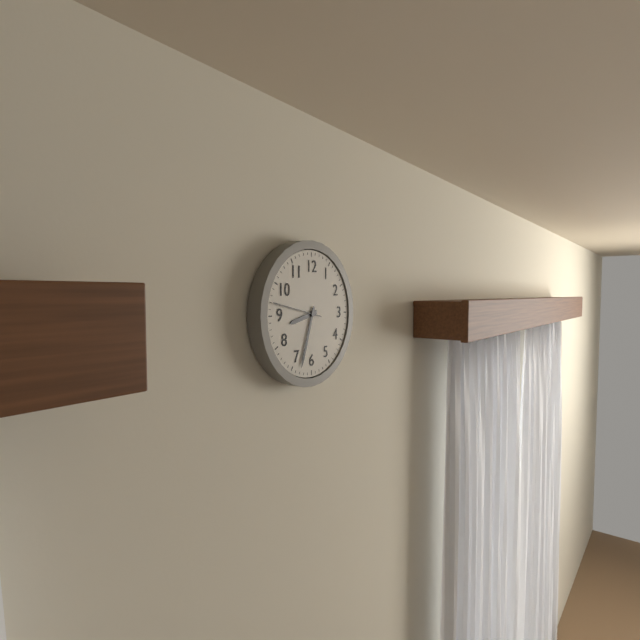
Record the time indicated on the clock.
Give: 8:33
